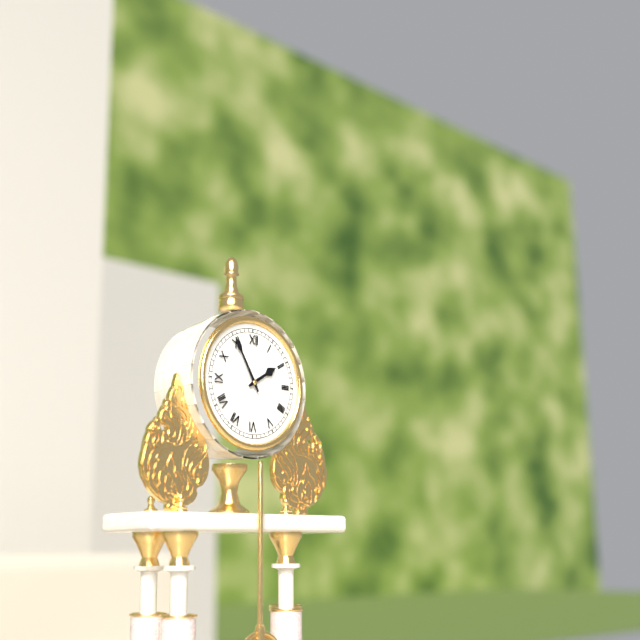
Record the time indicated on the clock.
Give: 1:55
